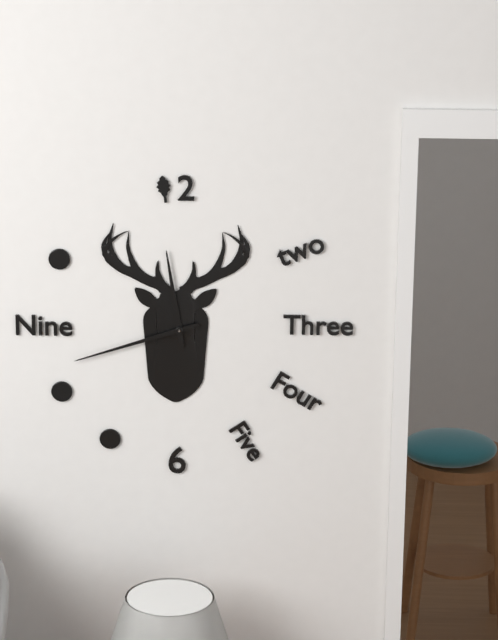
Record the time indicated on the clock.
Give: 11:42
